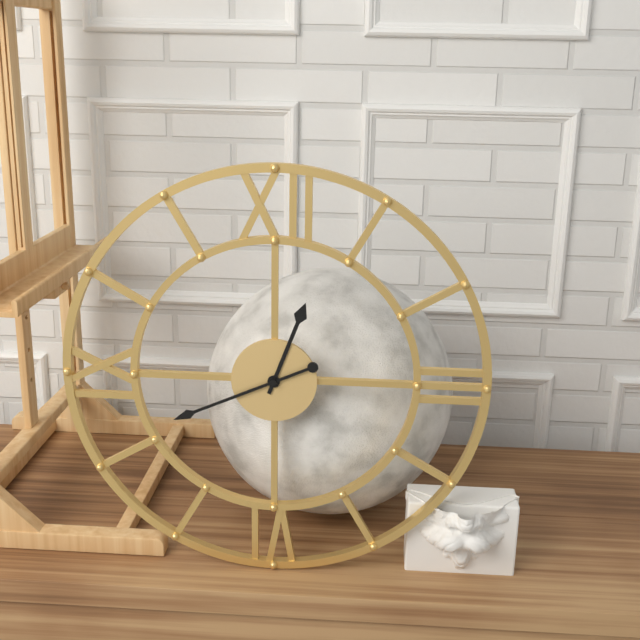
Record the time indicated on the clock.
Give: 12:41
